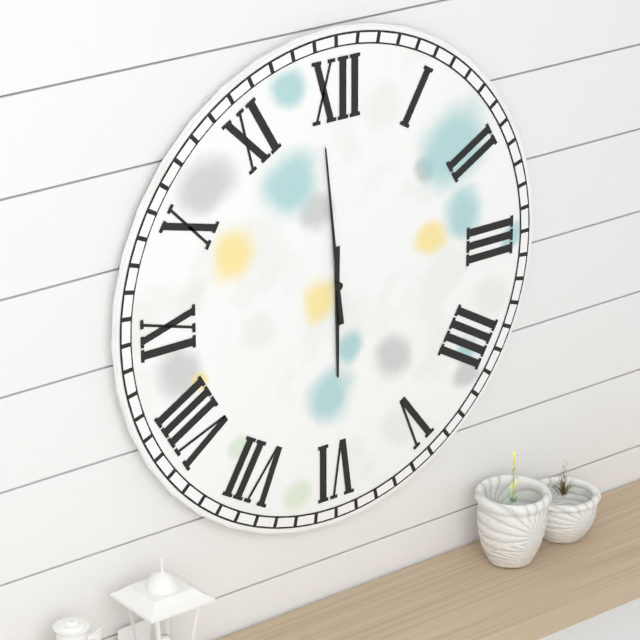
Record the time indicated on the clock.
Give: 5:59
